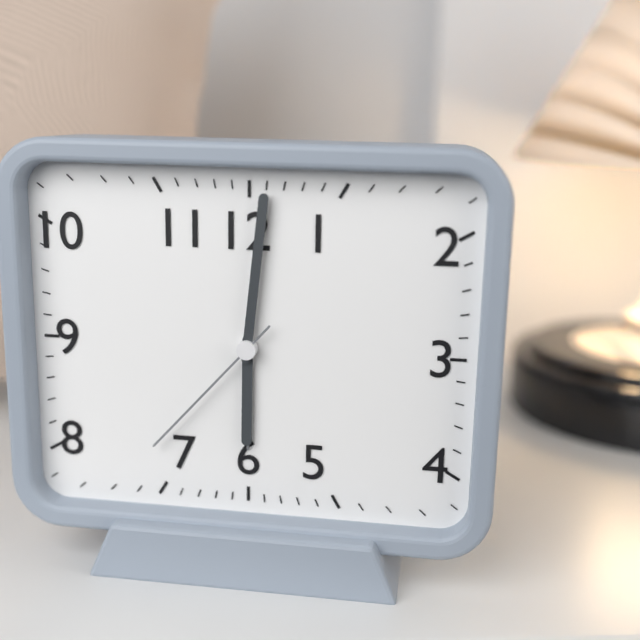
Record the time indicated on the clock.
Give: 6:01:37
